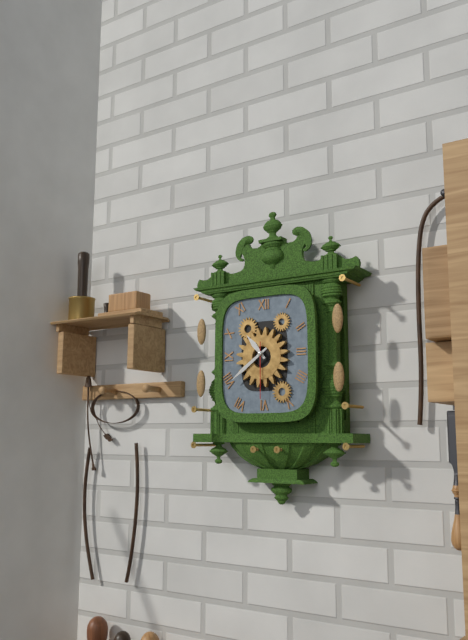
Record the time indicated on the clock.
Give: 10:39:30
